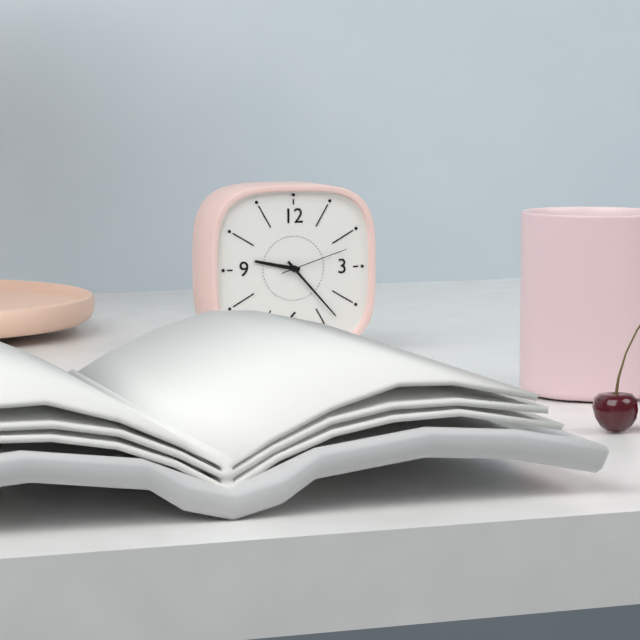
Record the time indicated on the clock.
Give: 9:23:12
